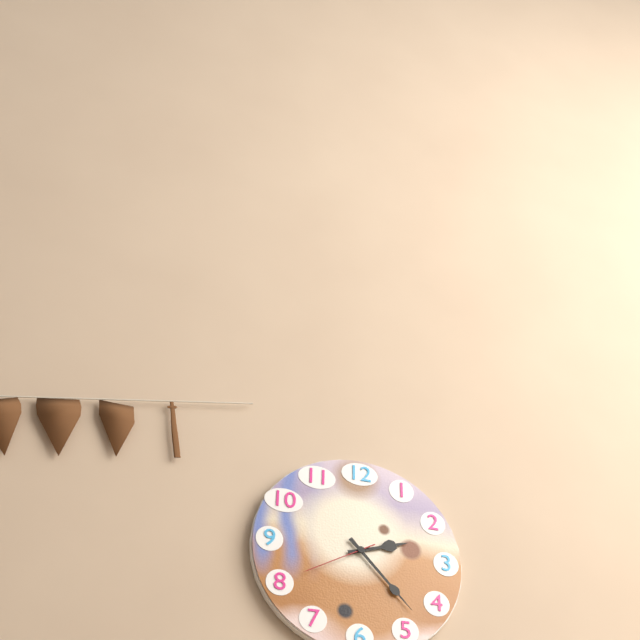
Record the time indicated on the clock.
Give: 2:23:40
